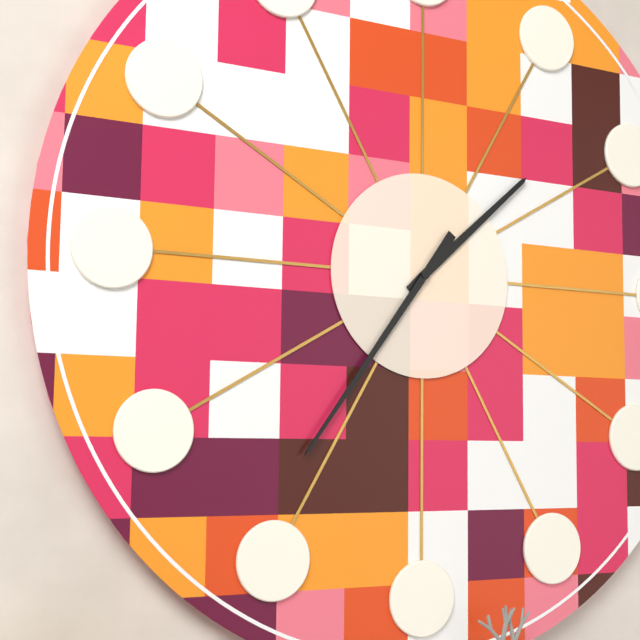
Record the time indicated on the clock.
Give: 1:36
